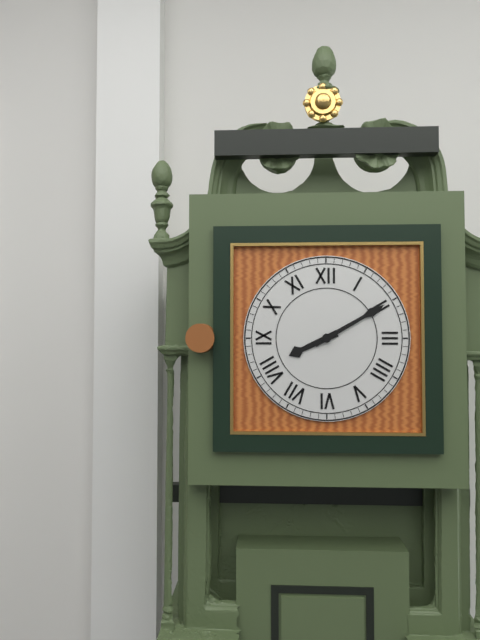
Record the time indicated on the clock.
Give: 8:10
